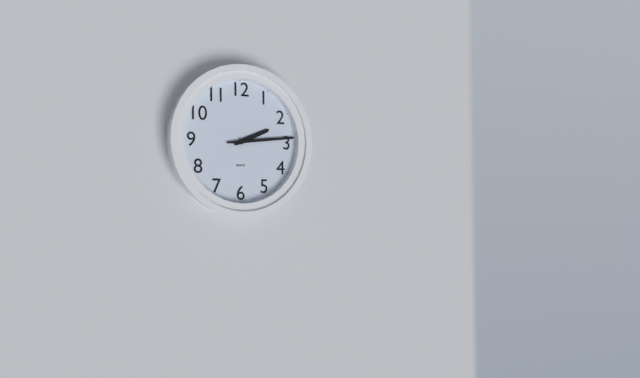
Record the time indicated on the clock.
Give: 2:14
